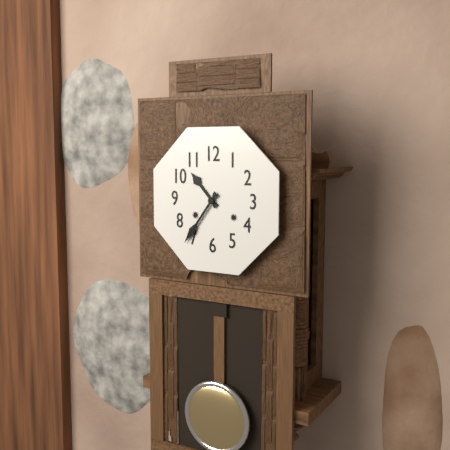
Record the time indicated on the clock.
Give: 10:36
